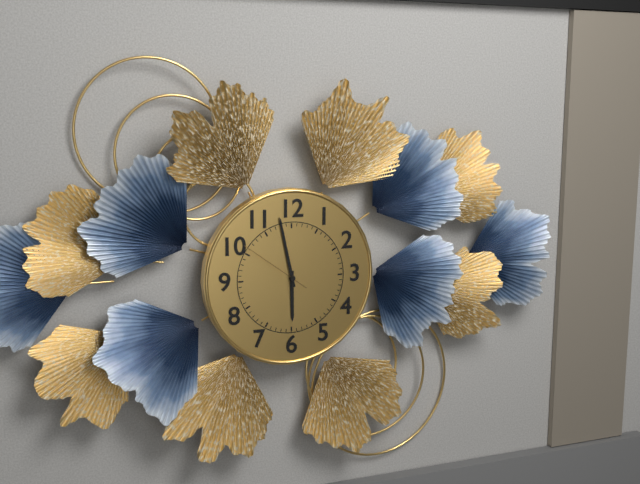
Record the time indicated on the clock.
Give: 5:58:51
